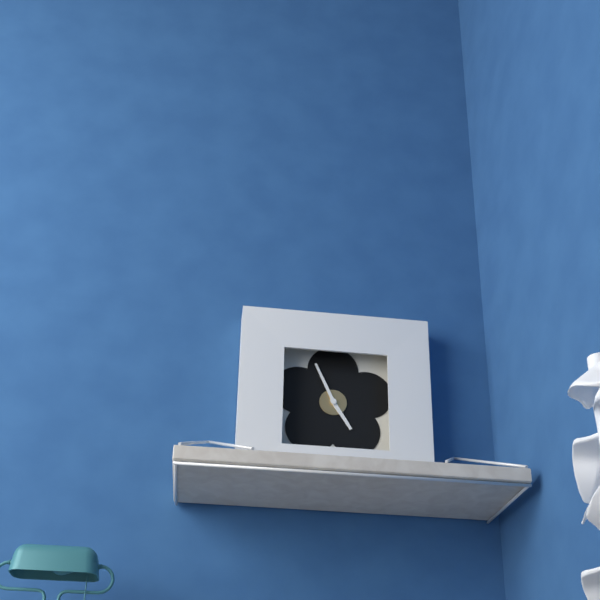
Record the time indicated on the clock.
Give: 4:56
